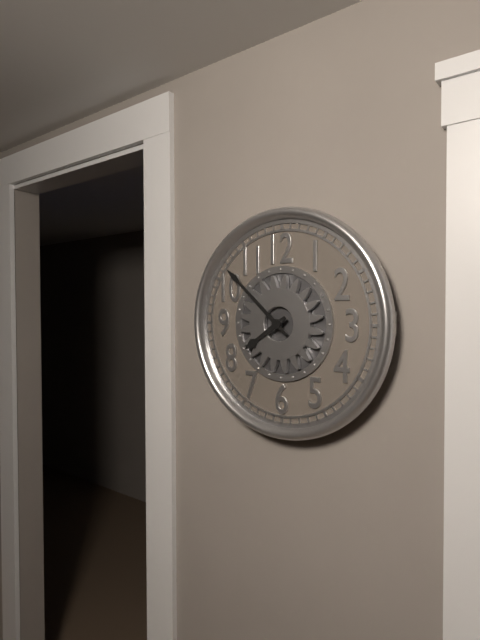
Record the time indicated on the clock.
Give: 7:52
